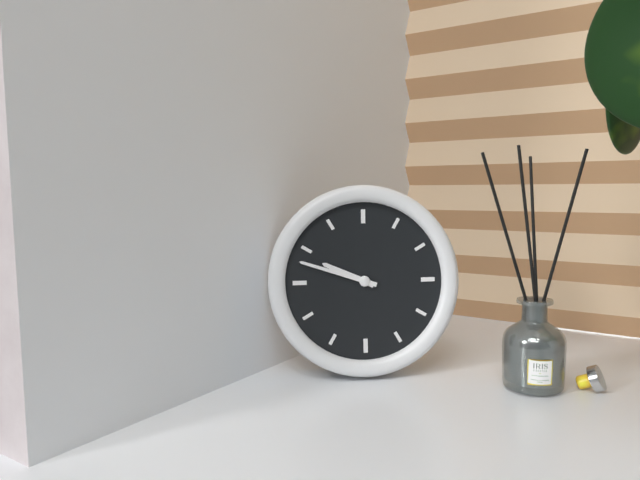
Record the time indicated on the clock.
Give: 9:48
